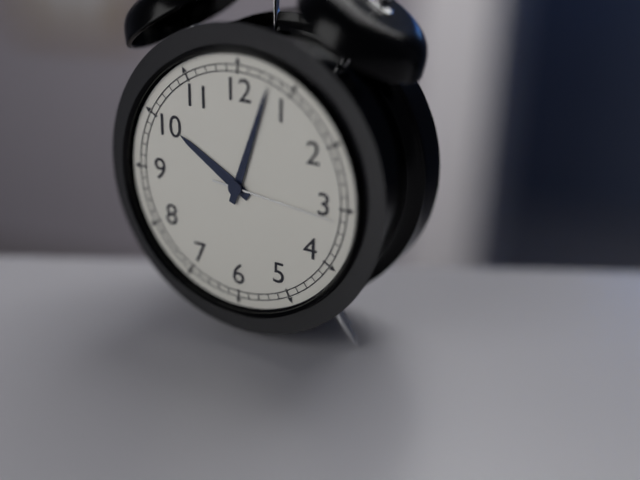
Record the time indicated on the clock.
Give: 10:03:16
